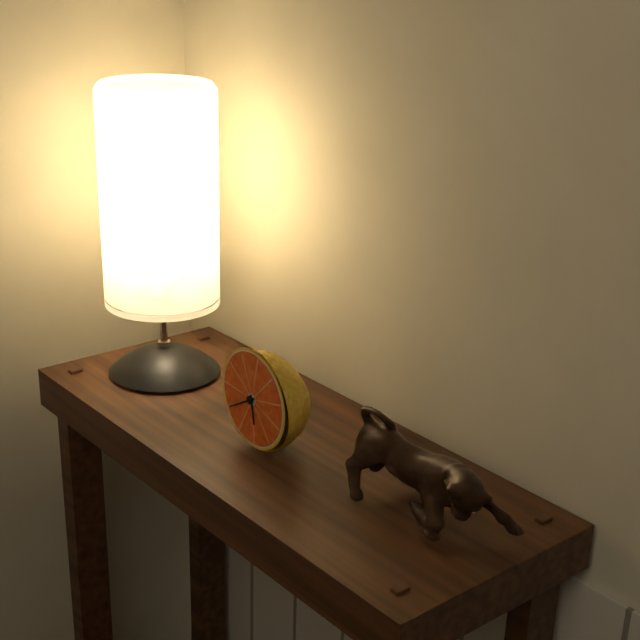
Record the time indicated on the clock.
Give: 5:40
